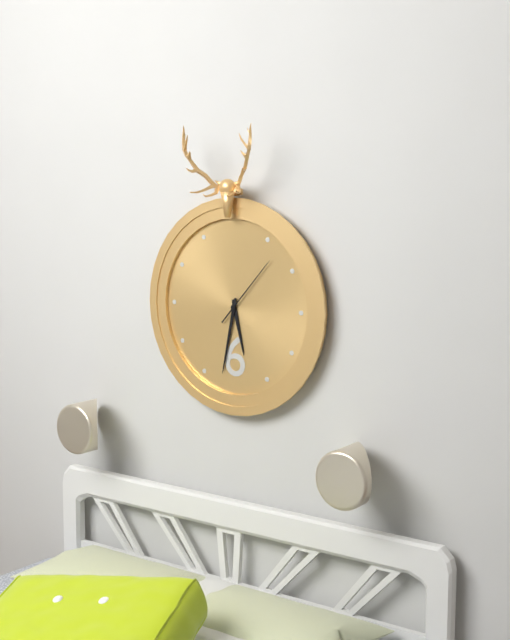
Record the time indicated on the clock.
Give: 5:32:07
